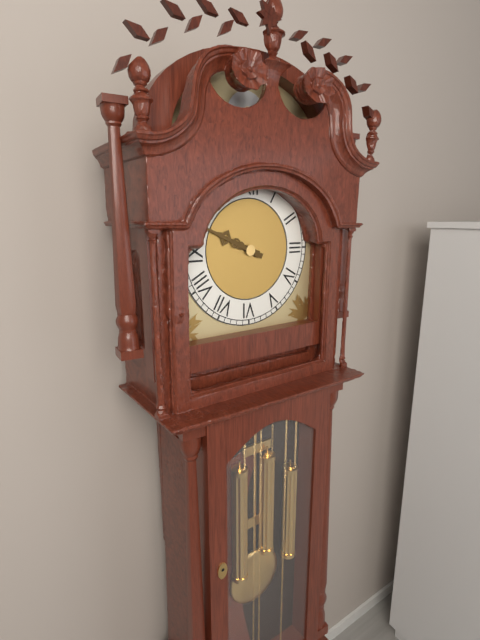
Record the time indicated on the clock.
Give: 9:49
